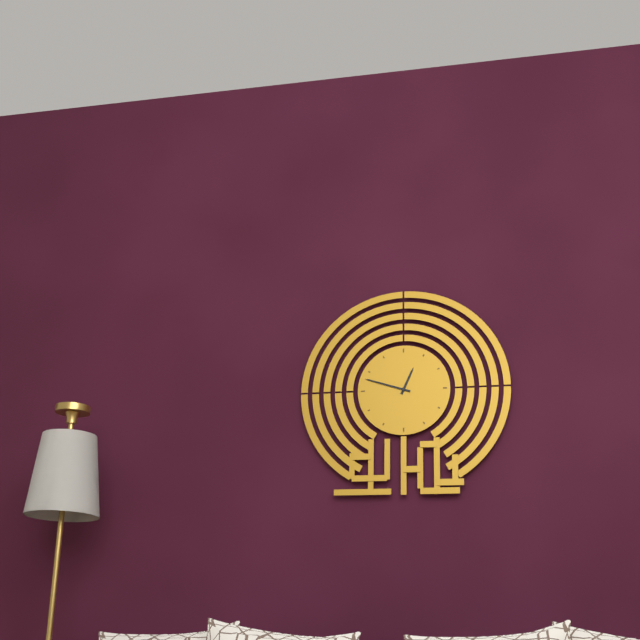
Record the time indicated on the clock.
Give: 12:48
